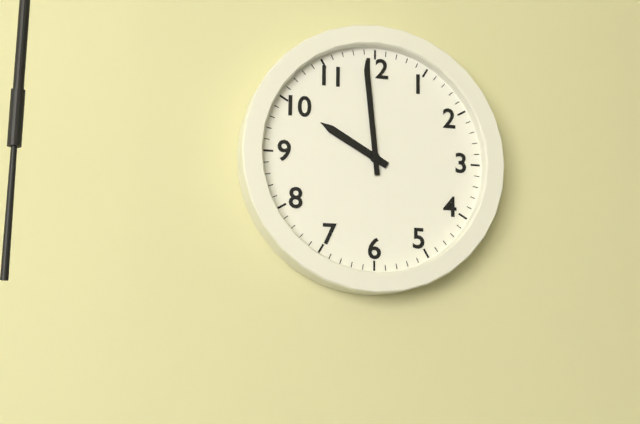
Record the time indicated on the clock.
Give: 9:59
